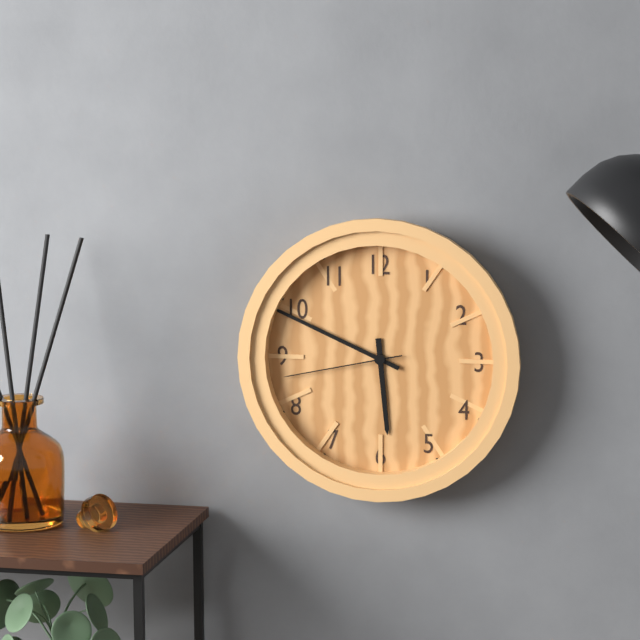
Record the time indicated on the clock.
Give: 5:49:43
